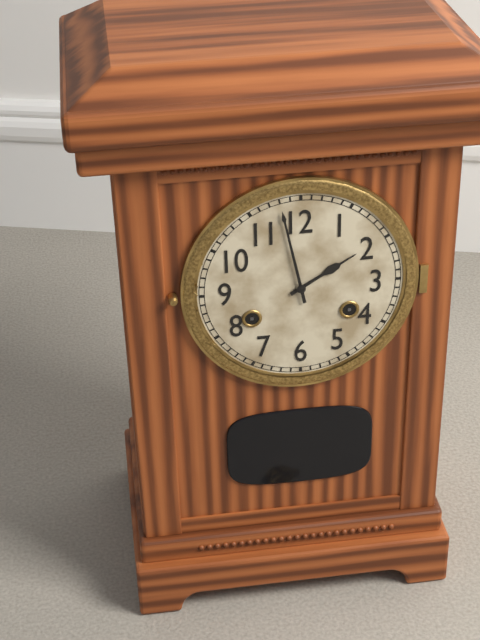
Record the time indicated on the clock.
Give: 1:58
